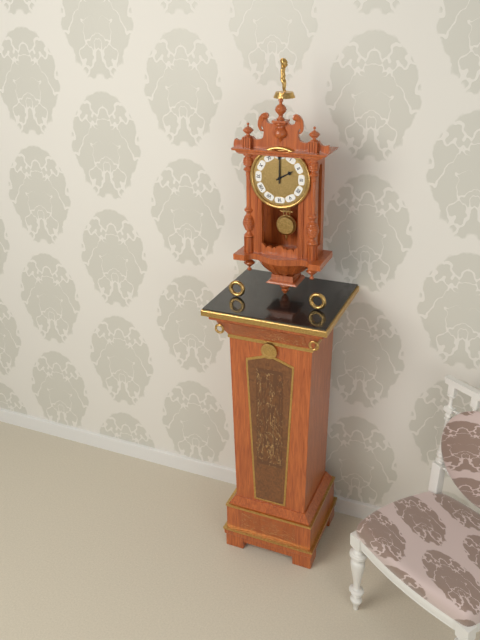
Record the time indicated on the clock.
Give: 2:00
